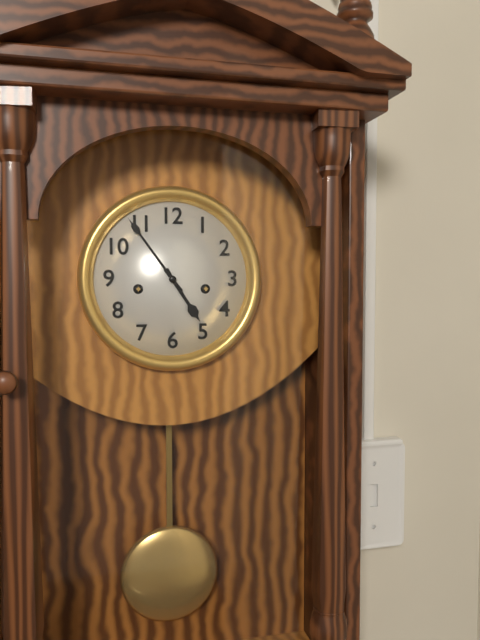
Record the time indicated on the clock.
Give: 4:54
